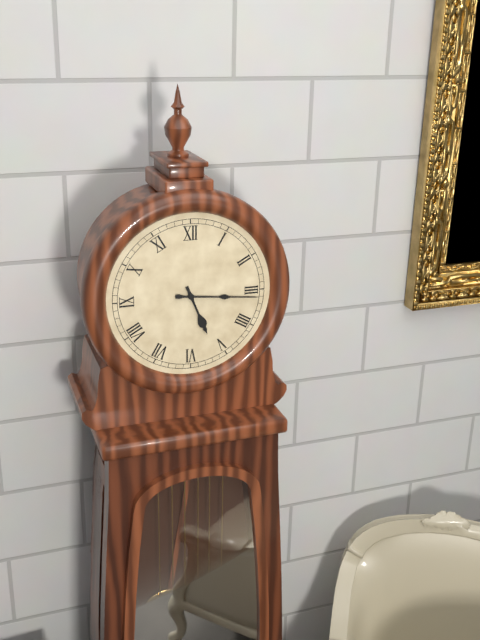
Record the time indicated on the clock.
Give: 5:16
